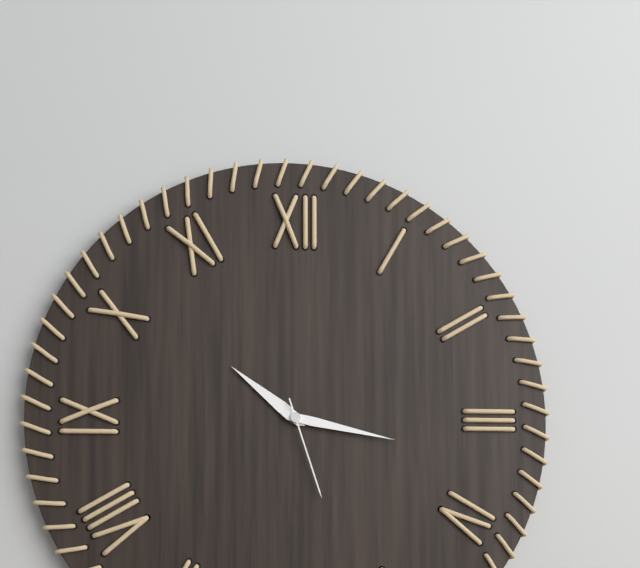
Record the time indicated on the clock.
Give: 10:17:27
